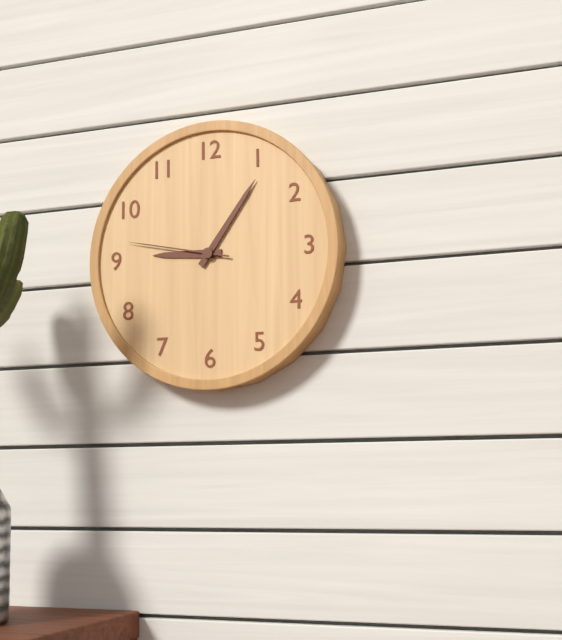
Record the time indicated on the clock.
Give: 9:06:47
